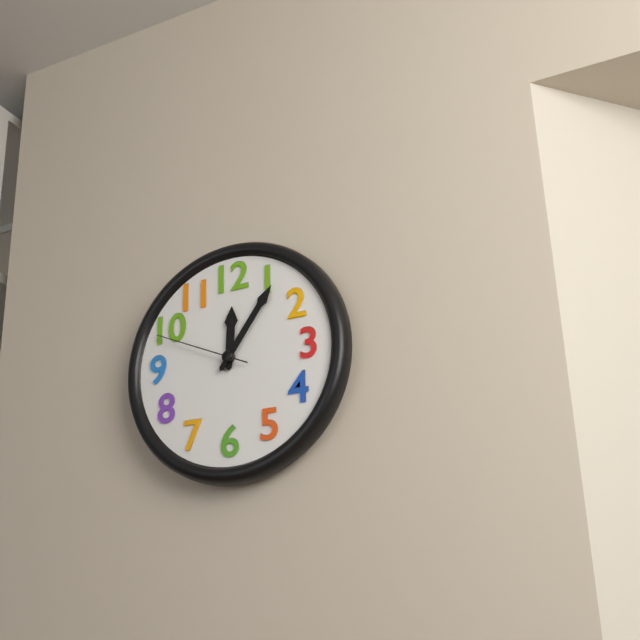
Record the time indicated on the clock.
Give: 12:06:49
